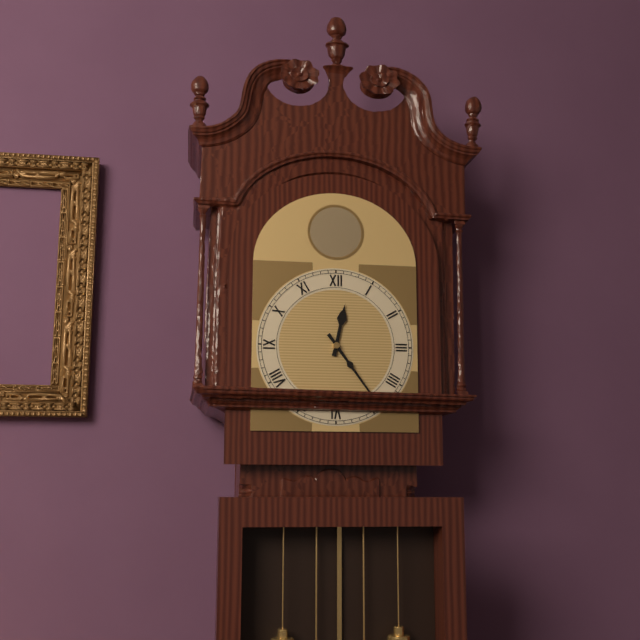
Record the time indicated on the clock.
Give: 12:24
